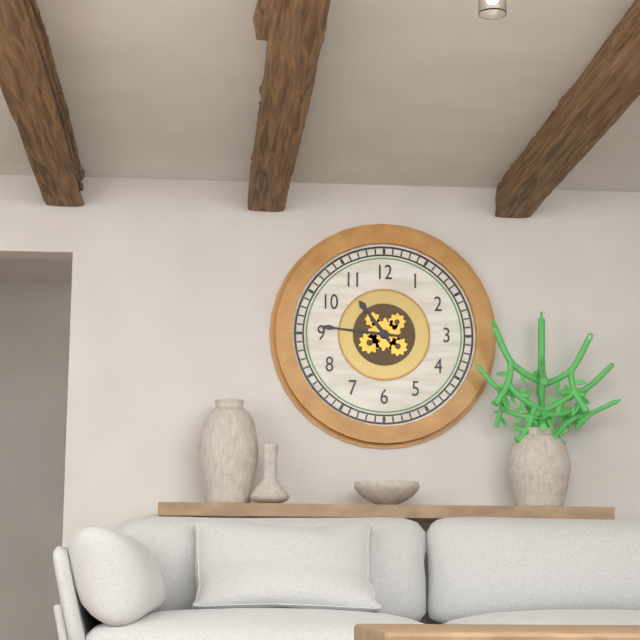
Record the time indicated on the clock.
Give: 10:46
